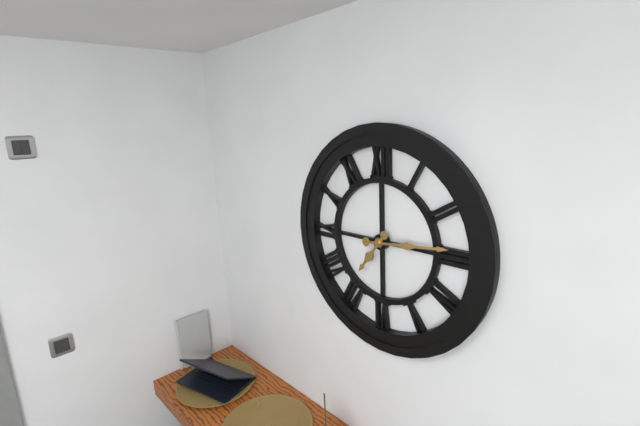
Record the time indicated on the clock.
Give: 7:14
